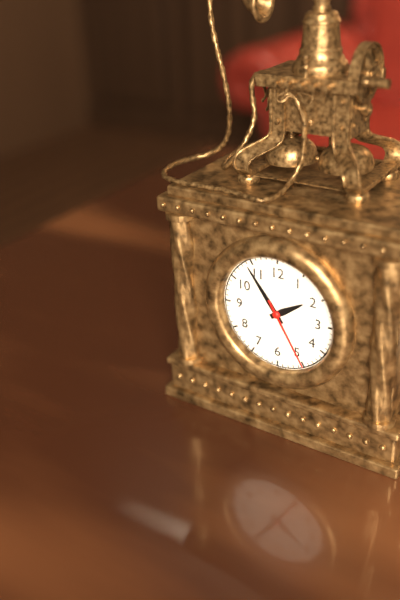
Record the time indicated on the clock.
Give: 1:54:25
